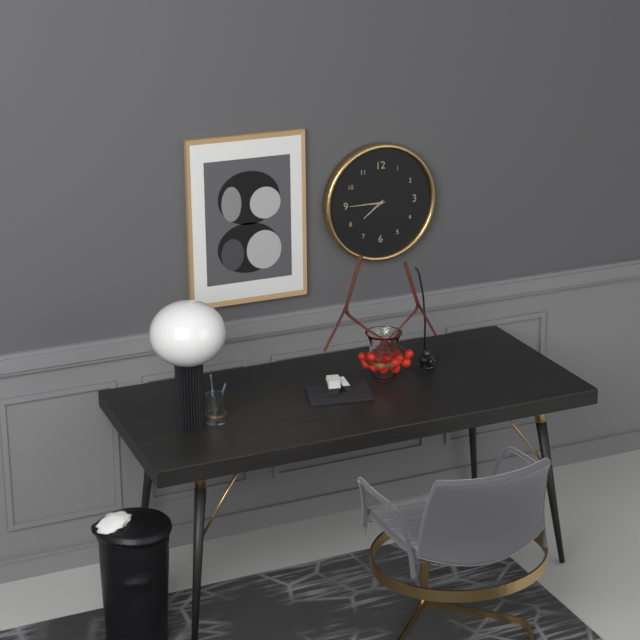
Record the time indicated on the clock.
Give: 7:45
